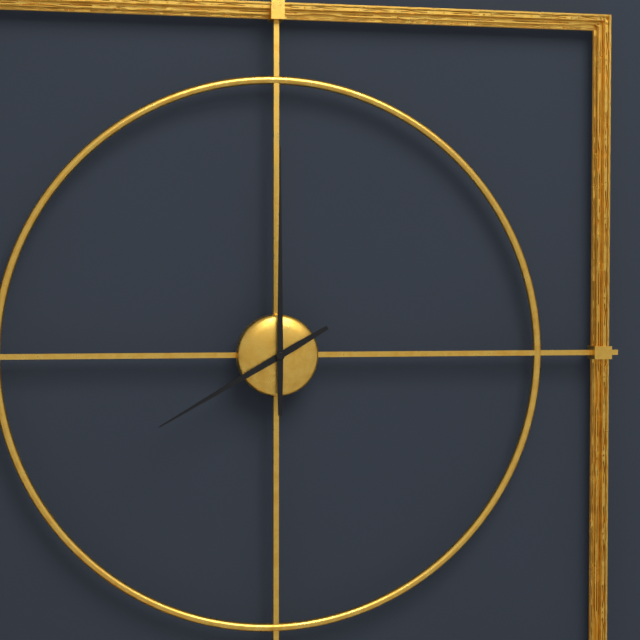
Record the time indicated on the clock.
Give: 8:00
